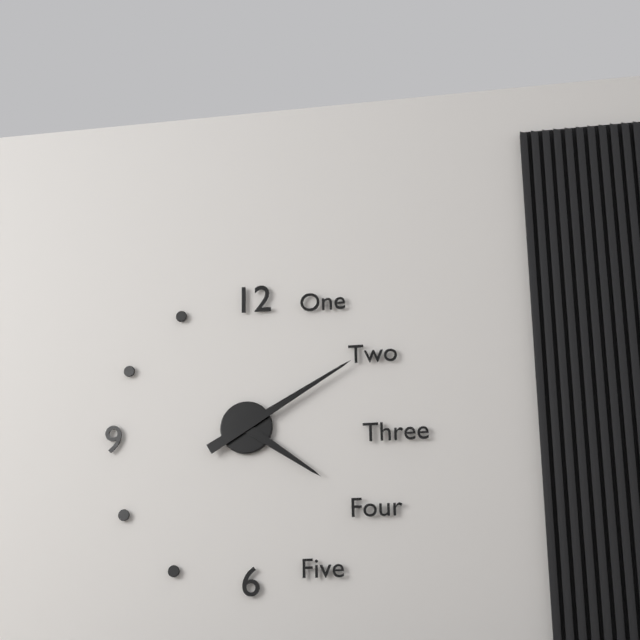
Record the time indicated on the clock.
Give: 4:10
